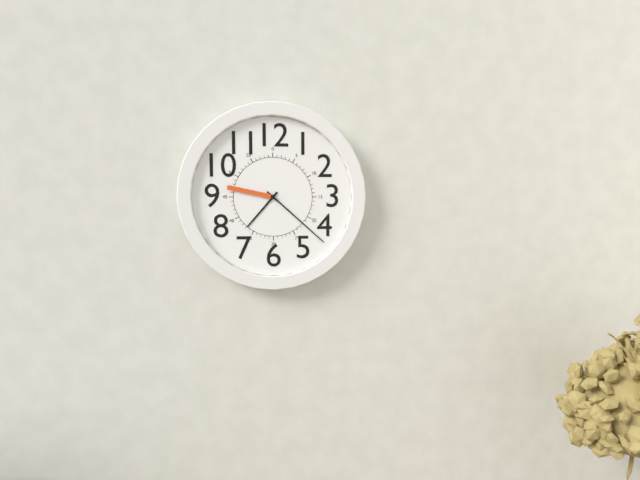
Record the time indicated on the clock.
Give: 7:22:47
